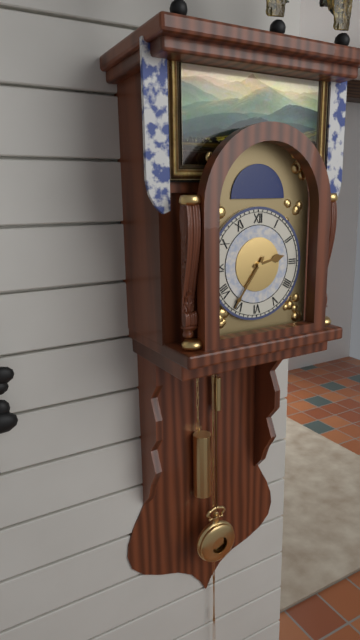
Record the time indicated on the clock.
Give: 2:36
